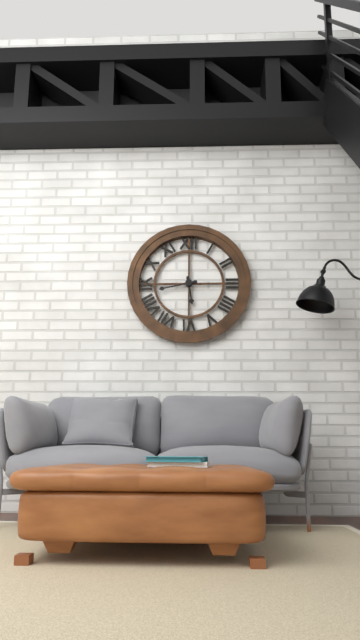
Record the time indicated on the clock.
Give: 5:43
